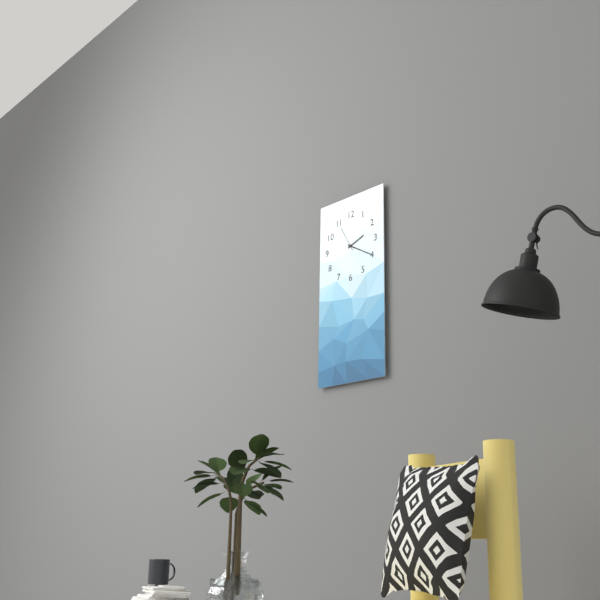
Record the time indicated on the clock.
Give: 2:20
